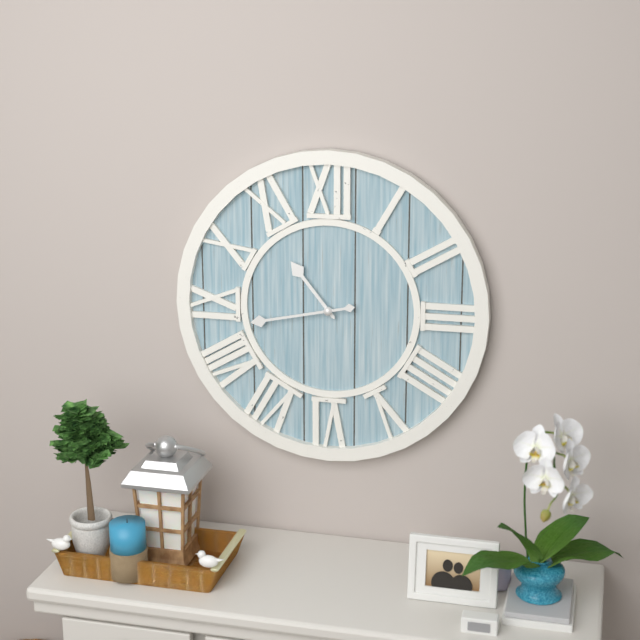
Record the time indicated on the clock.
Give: 10:43
